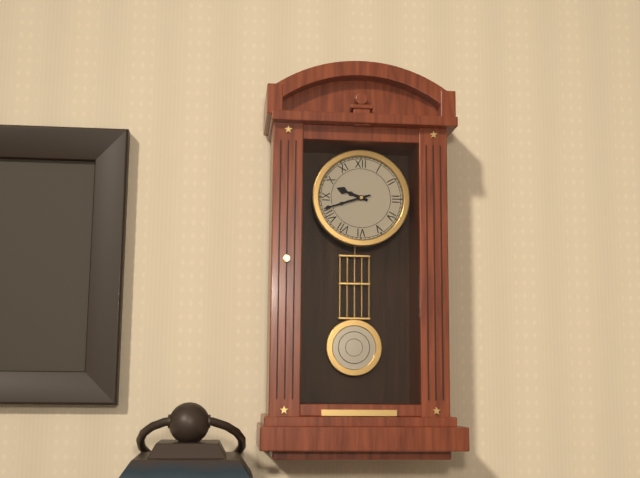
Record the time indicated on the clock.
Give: 9:42
